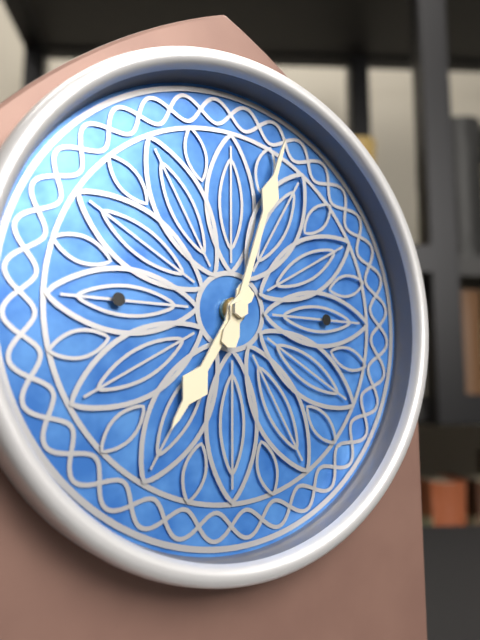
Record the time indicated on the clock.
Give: 7:03
